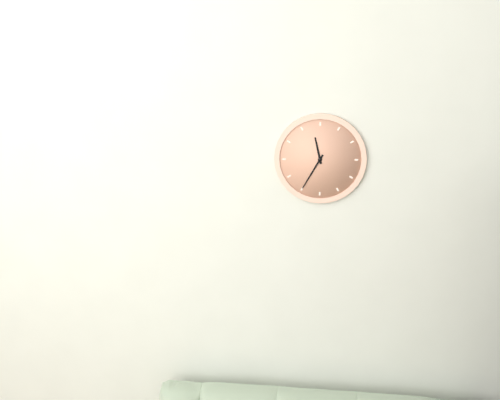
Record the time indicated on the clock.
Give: 11:35
